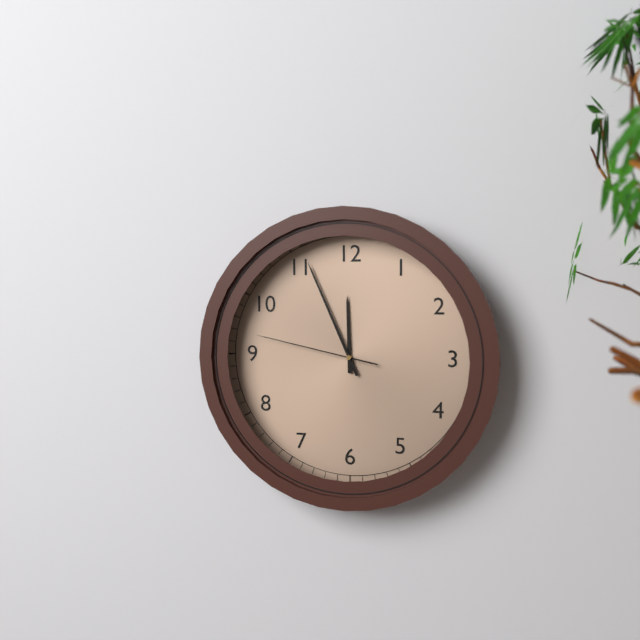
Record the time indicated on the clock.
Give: 11:56:47
